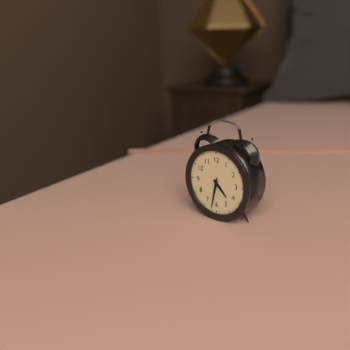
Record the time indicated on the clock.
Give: 4:32
